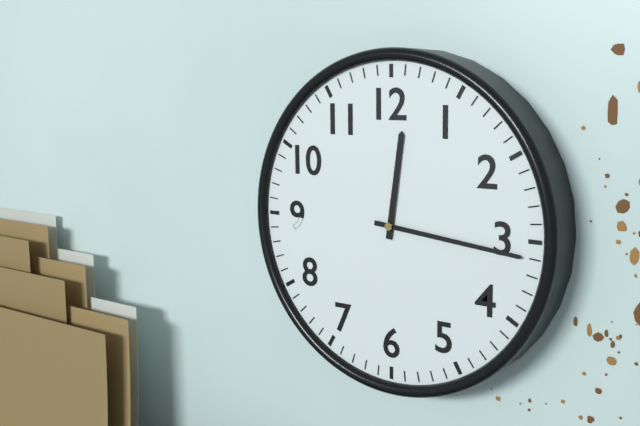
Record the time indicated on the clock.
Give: 12:16
